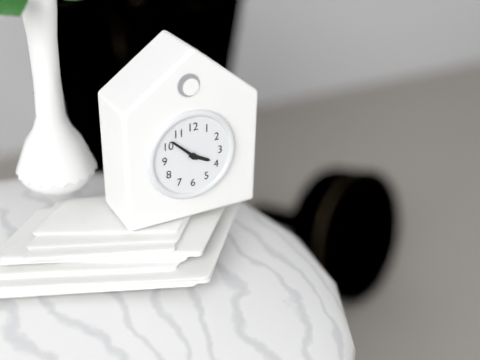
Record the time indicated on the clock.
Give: 3:52
